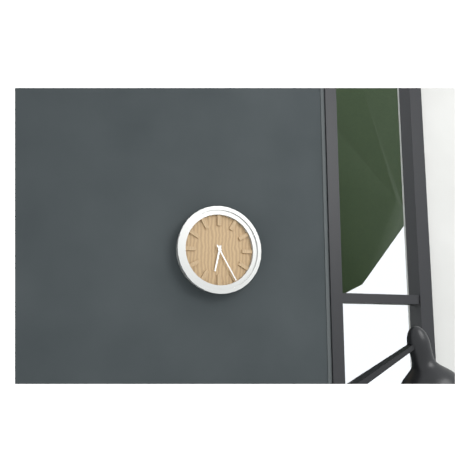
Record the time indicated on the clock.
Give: 6:25
